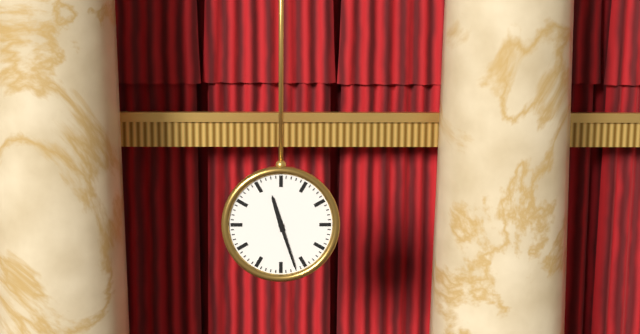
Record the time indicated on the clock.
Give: 11:27
